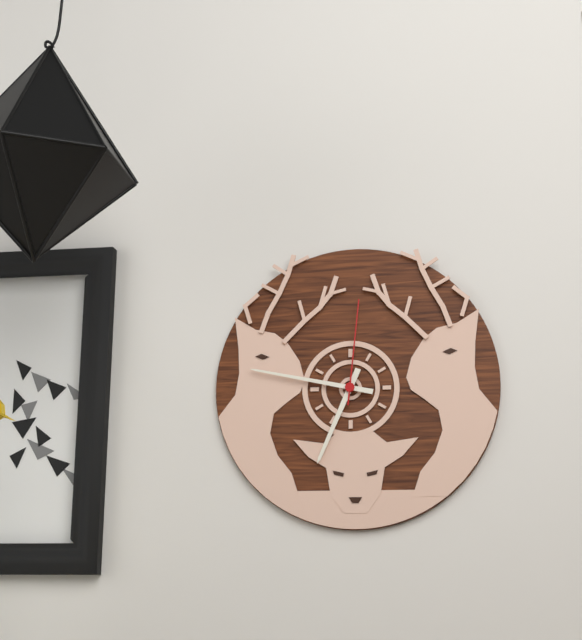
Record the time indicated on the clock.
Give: 6:47:01
